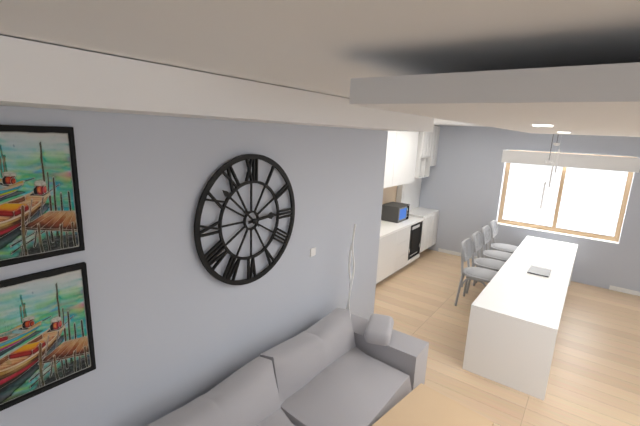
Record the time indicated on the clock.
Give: 2:52
